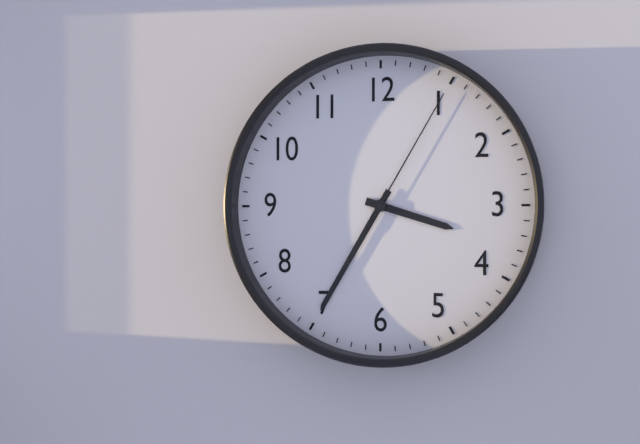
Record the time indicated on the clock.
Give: 3:35:05
